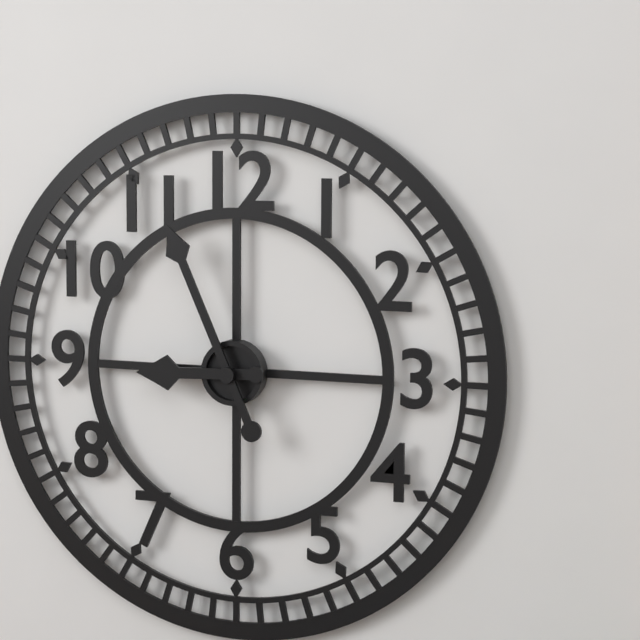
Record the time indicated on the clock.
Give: 8:56
